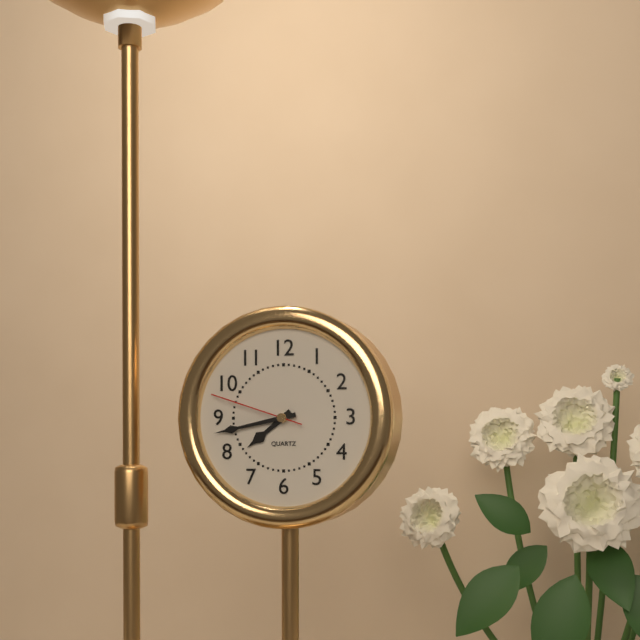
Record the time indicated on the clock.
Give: 7:43:48
